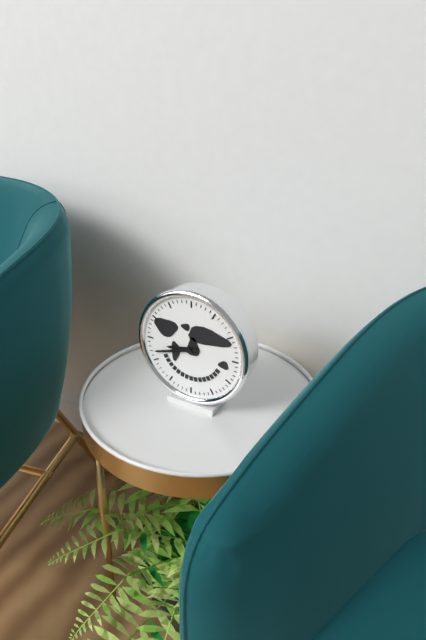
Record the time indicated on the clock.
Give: 8:42
